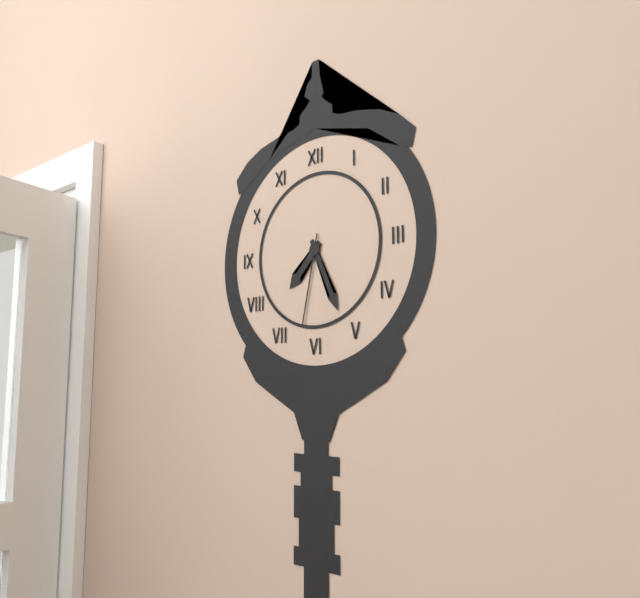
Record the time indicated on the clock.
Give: 7:26:32
